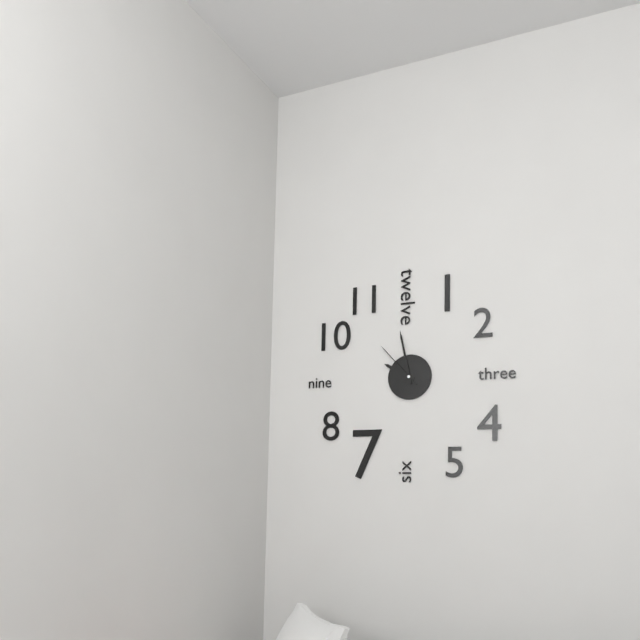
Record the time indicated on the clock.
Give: 9:58:53
